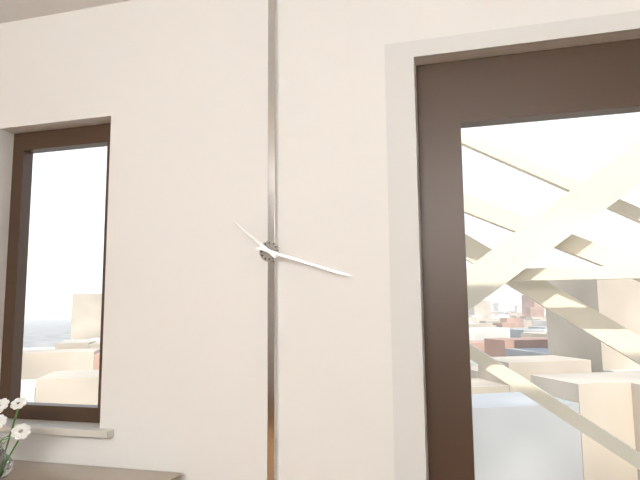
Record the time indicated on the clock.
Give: 10:18
